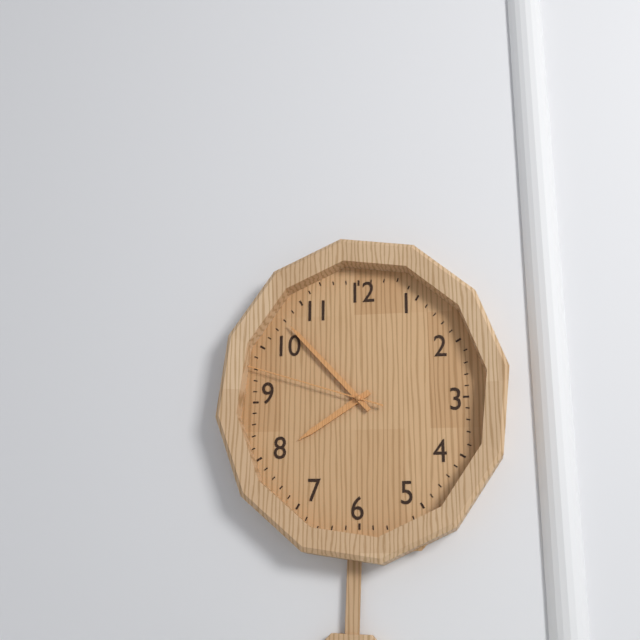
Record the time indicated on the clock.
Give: 7:53:48
